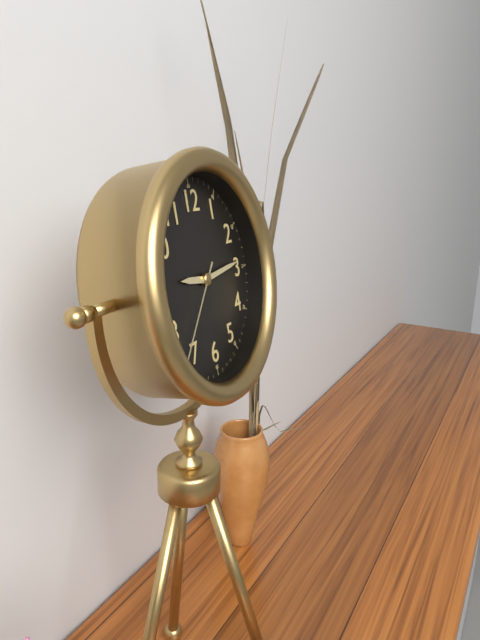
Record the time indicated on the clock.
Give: 9:14:37
